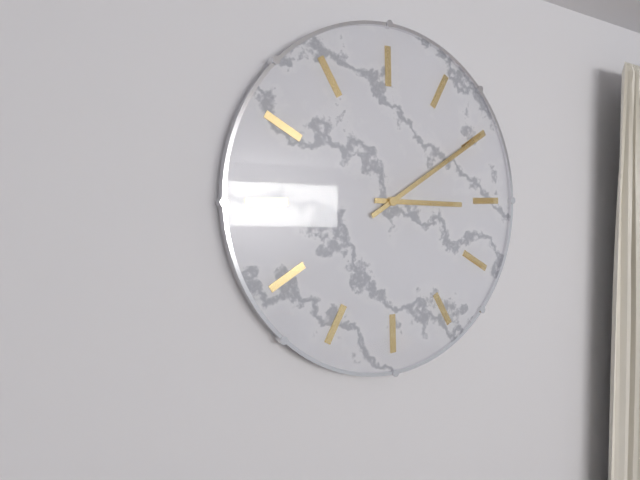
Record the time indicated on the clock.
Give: 2:05
